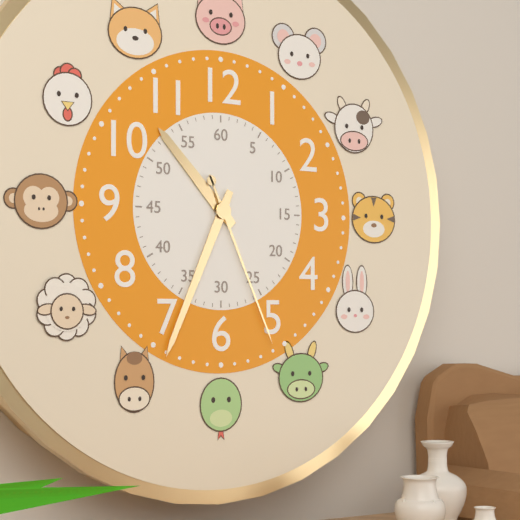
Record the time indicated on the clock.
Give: 10:34:26
